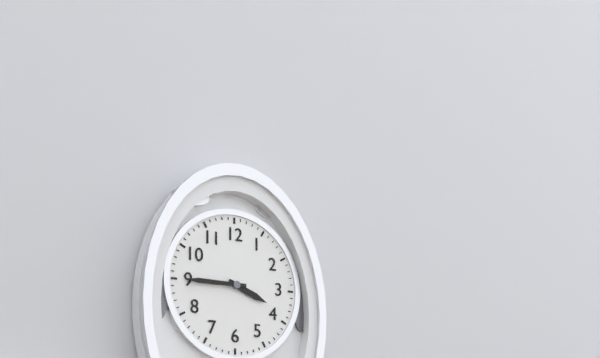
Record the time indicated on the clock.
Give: 3:45
